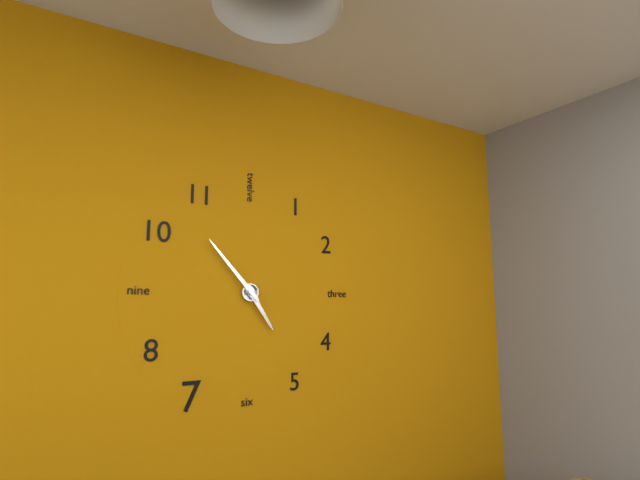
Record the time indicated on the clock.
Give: 4:53
